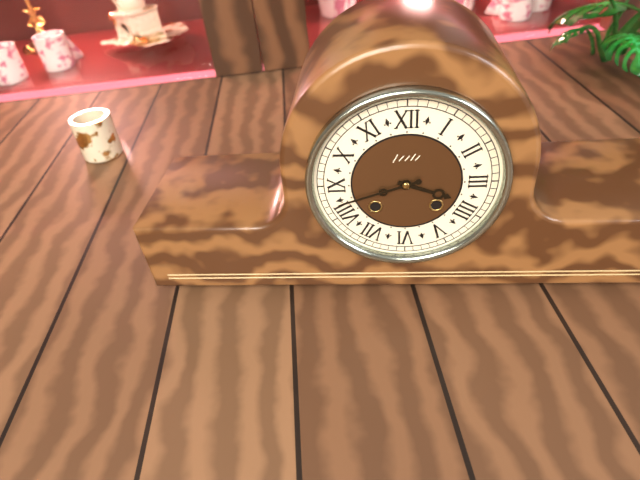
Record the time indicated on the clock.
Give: 3:42
